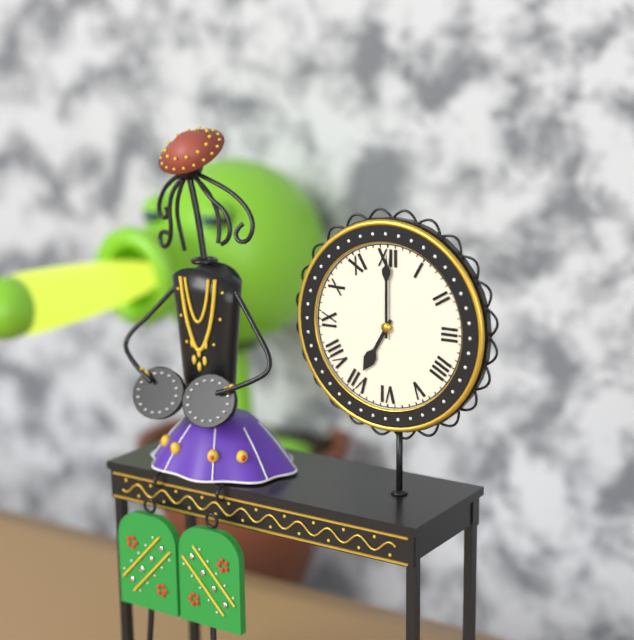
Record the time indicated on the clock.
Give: 7:00
